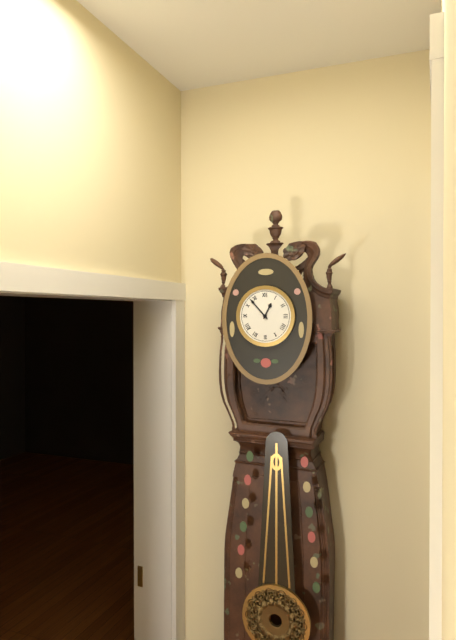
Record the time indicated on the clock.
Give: 12:53
